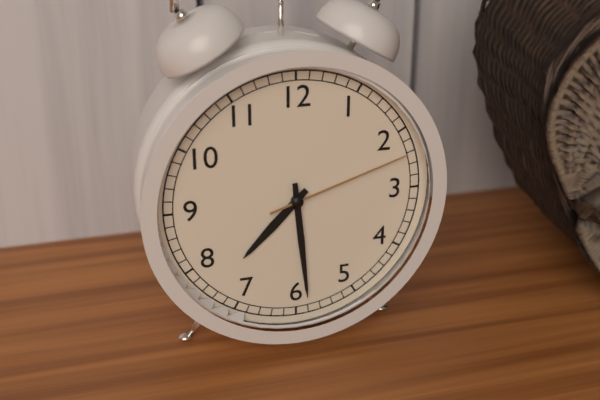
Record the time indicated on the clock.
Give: 7:29:12
